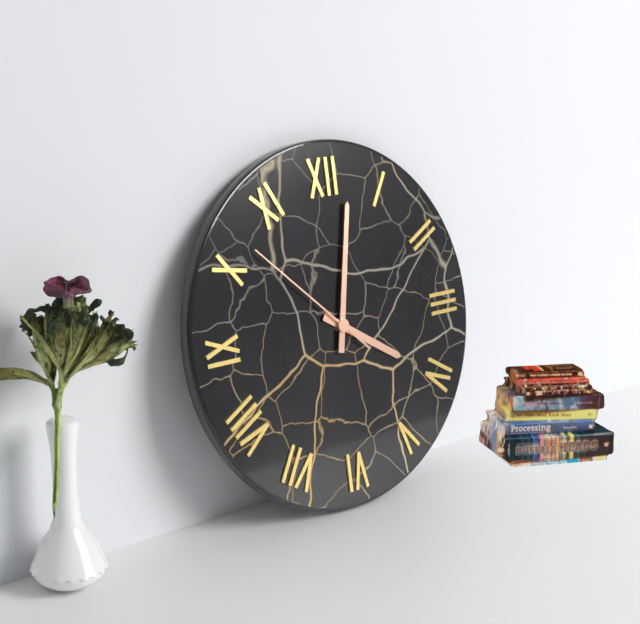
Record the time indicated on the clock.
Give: 4:02:52
